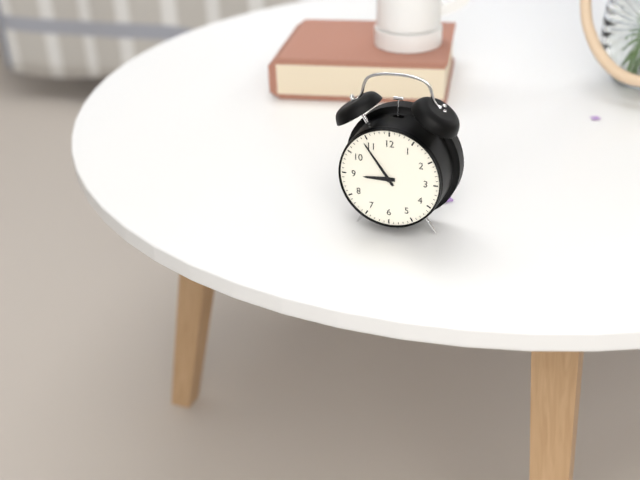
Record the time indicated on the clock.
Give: 8:54
